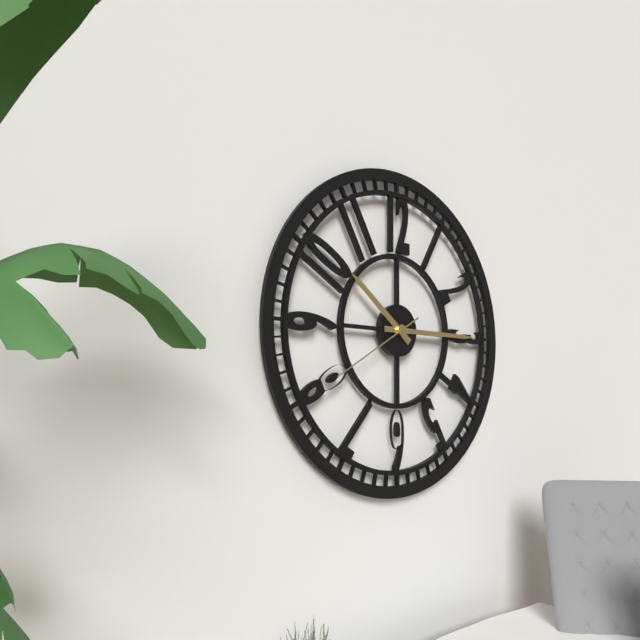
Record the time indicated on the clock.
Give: 10:15:40
